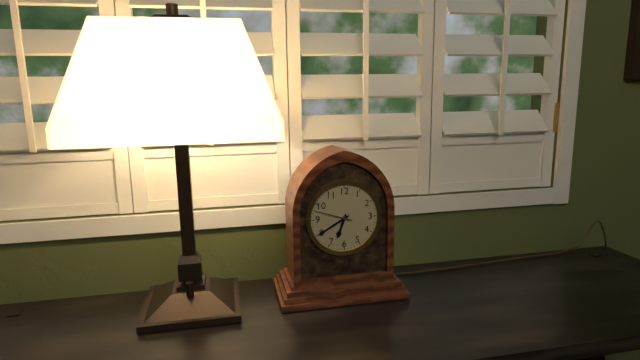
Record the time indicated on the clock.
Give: 6:40
